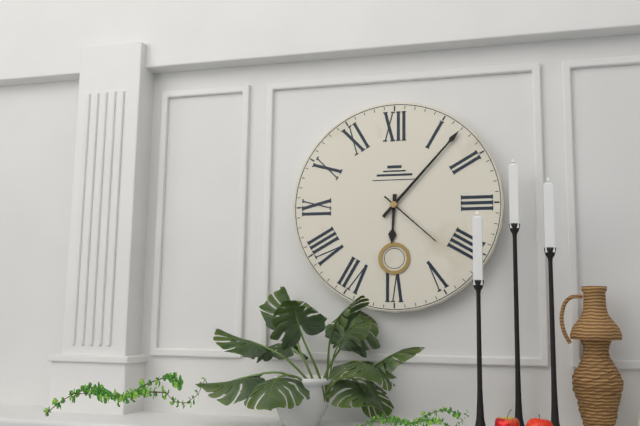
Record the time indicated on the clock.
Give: 6:07:22
